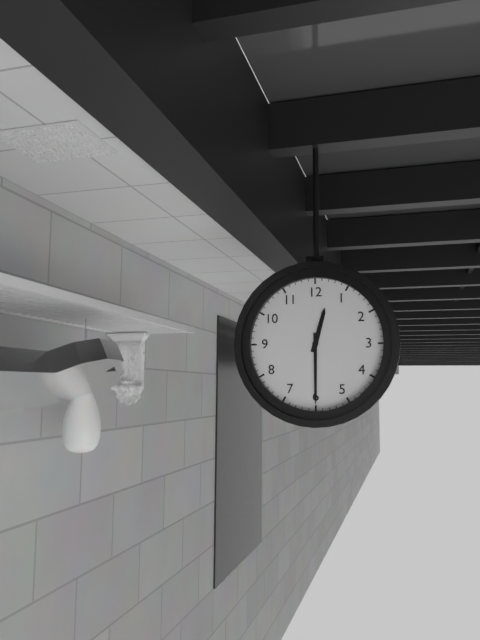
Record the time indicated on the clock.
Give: 12:30
